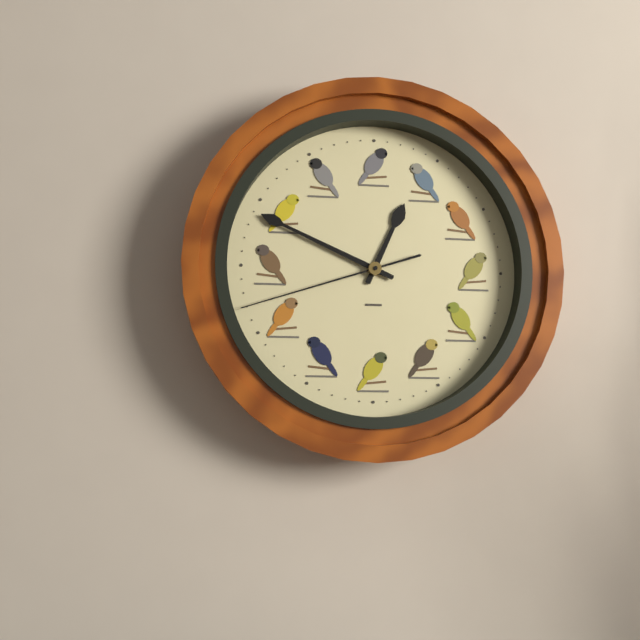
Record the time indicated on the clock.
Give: 12:49:42
